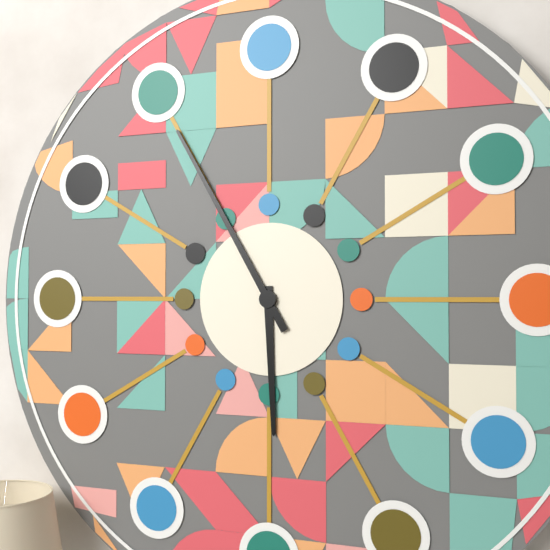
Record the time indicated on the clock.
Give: 5:55
